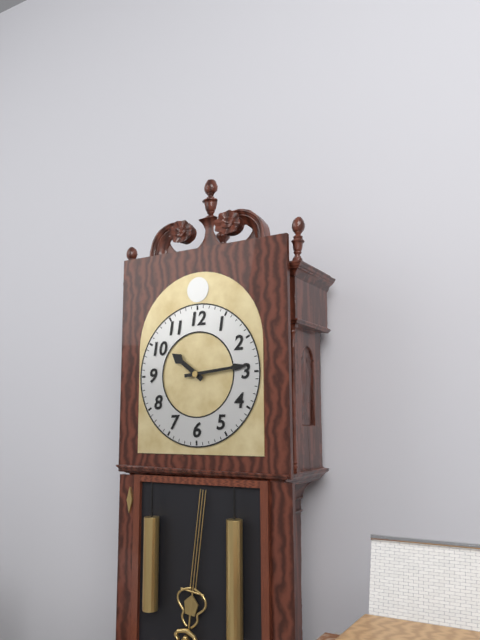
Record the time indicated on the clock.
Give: 10:14
